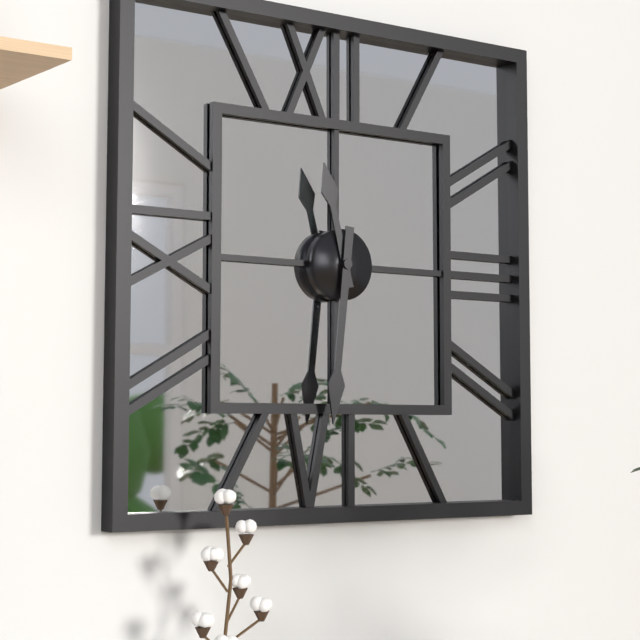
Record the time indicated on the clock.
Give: 11:31
